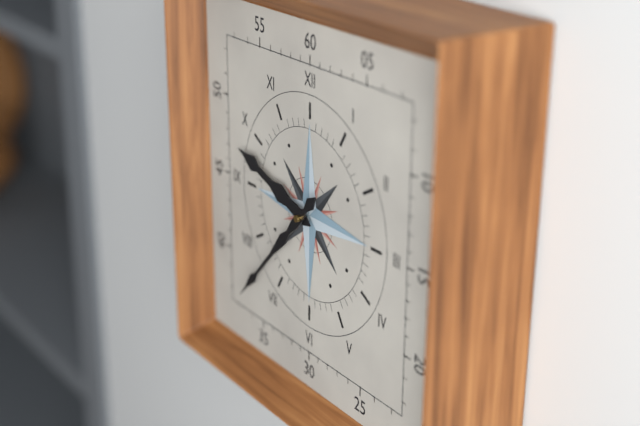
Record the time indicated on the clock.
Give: 9:37
